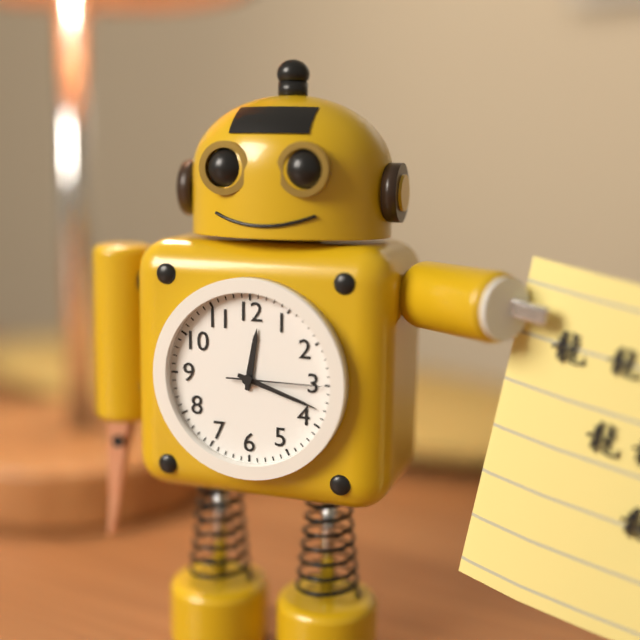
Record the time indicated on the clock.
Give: 12:18:15
